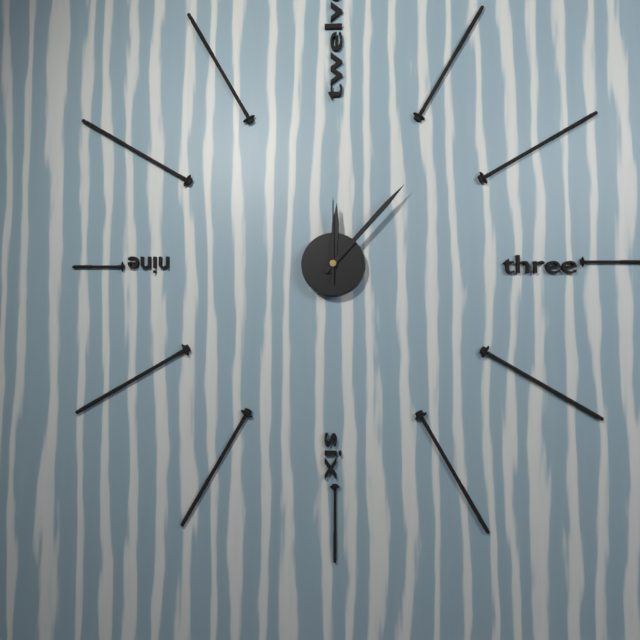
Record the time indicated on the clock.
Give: 12:07:00
